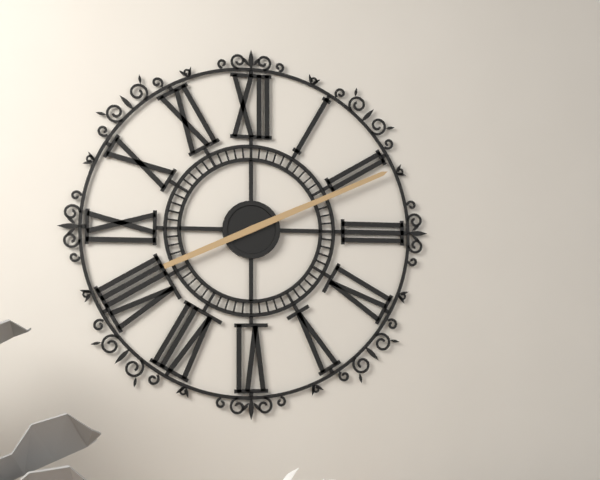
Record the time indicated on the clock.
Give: 2:11
